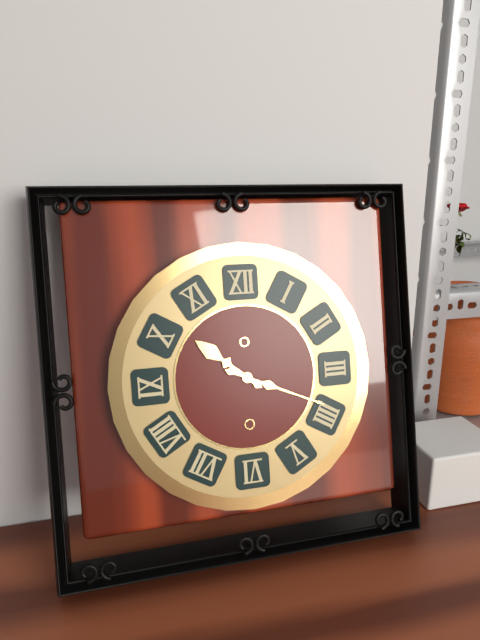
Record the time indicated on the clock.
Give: 10:19
